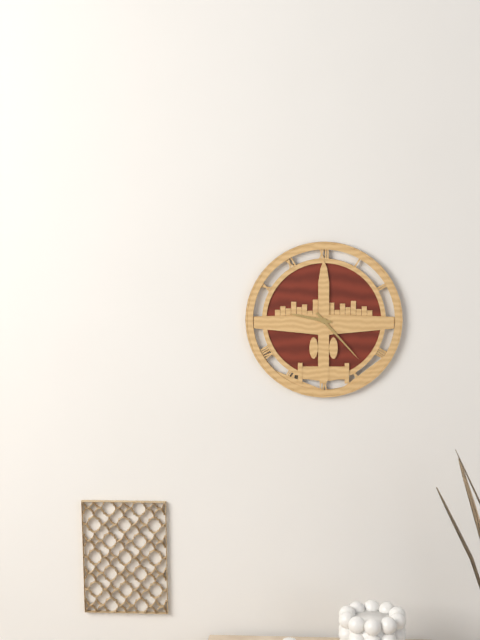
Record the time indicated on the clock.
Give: 9:23
